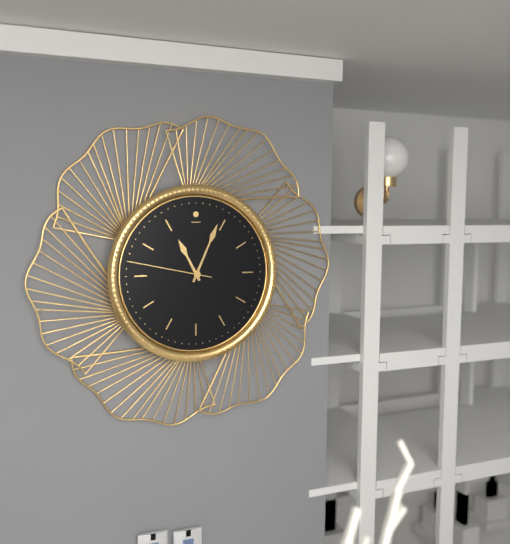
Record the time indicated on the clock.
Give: 11:04:47
